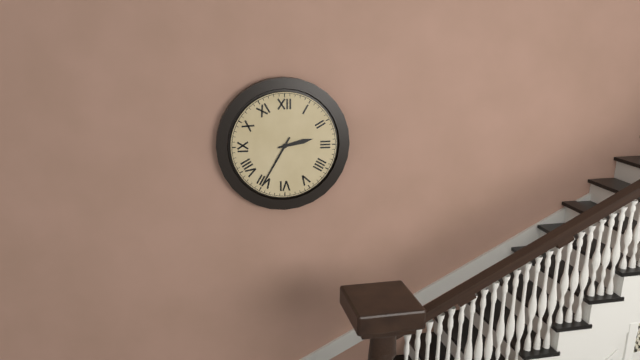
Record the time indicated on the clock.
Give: 2:35
